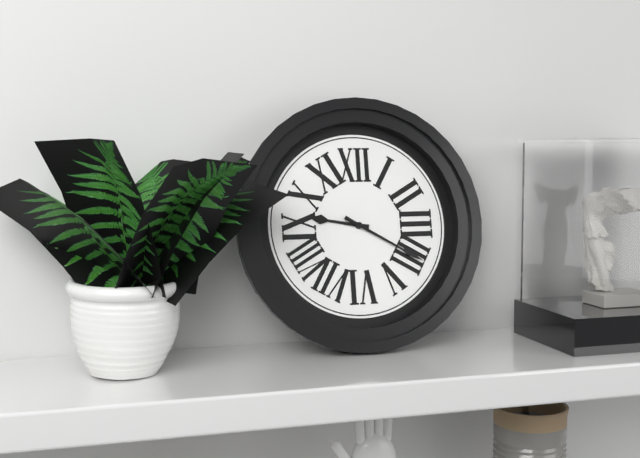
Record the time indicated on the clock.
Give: 9:20
